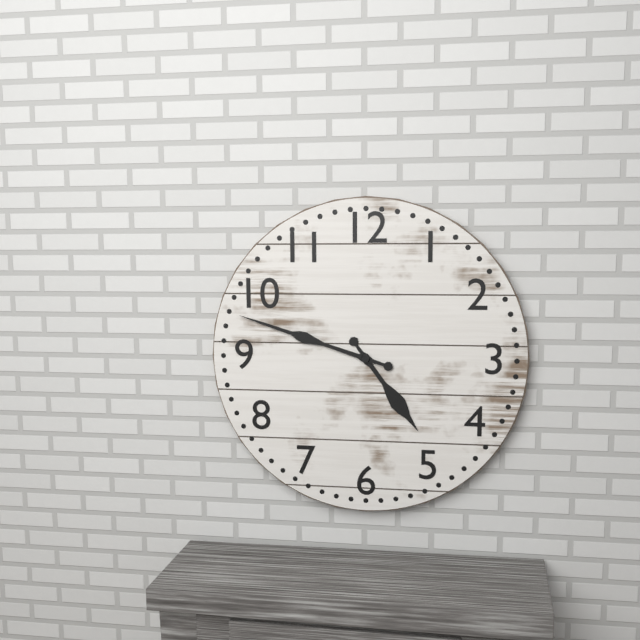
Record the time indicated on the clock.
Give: 4:48
